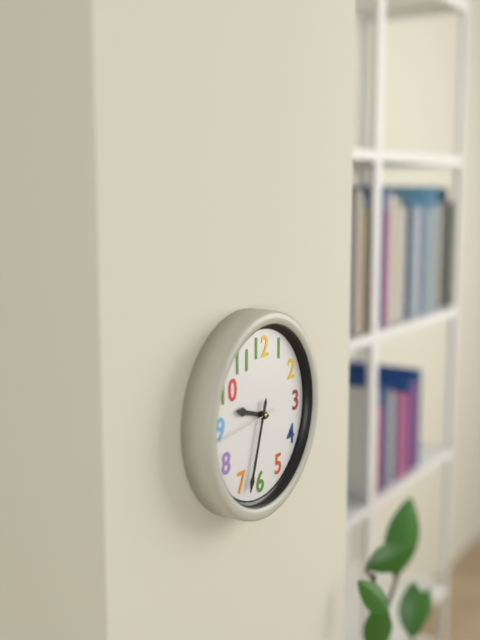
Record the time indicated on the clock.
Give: 9:33:44
